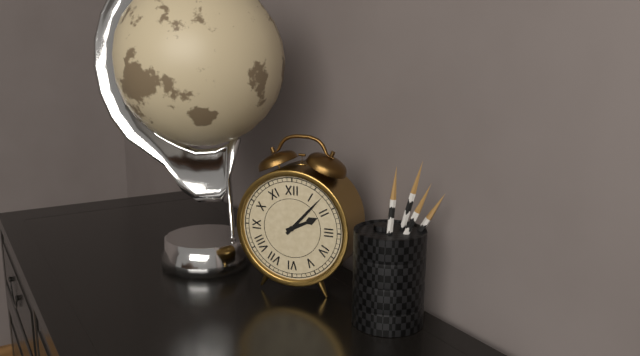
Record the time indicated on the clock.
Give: 2:07
